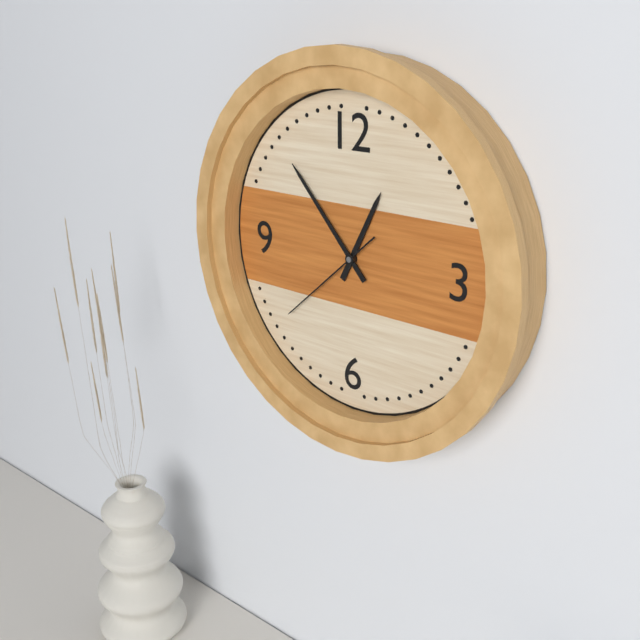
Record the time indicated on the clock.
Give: 12:53:38
